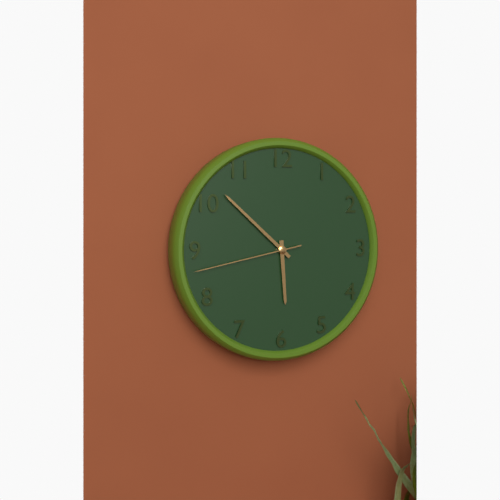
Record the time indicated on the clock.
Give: 5:52:43
